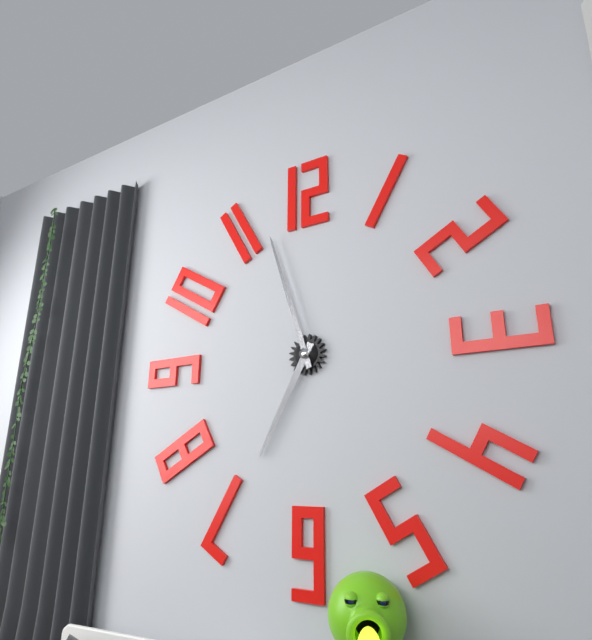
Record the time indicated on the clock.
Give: 6:57
